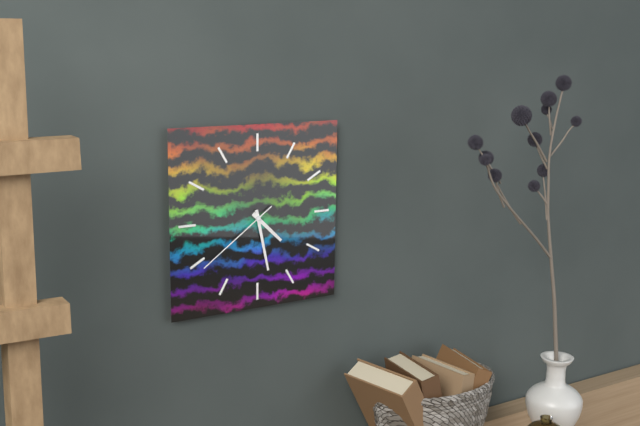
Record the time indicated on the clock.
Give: 4:28:39
